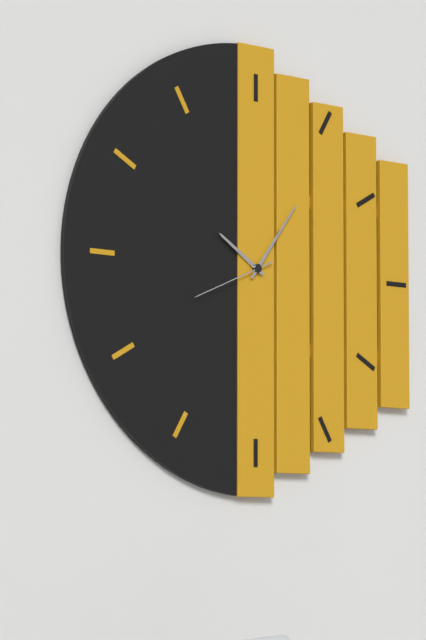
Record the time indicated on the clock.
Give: 10:06:41
